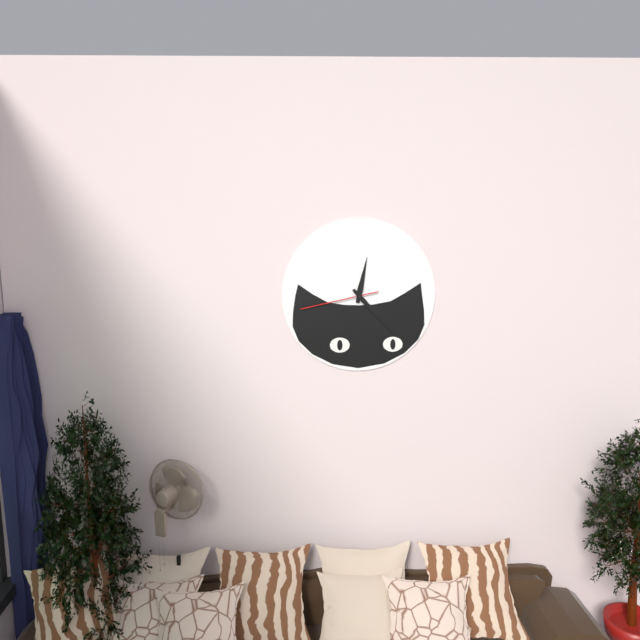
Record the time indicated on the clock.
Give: 12:23:43
